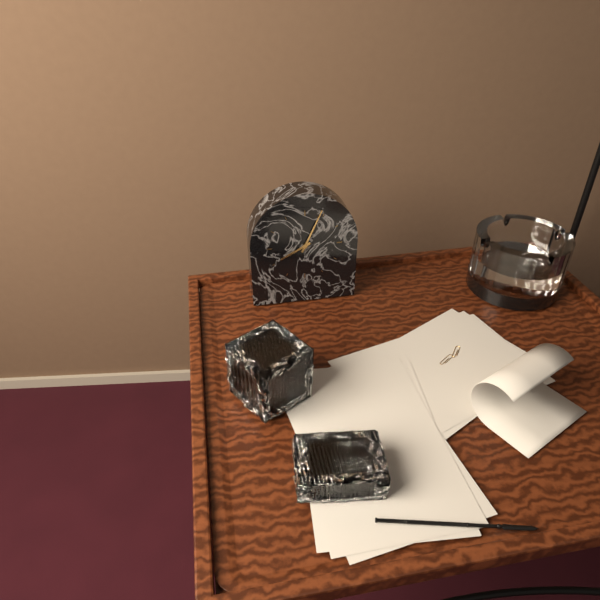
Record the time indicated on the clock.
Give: 8:04
